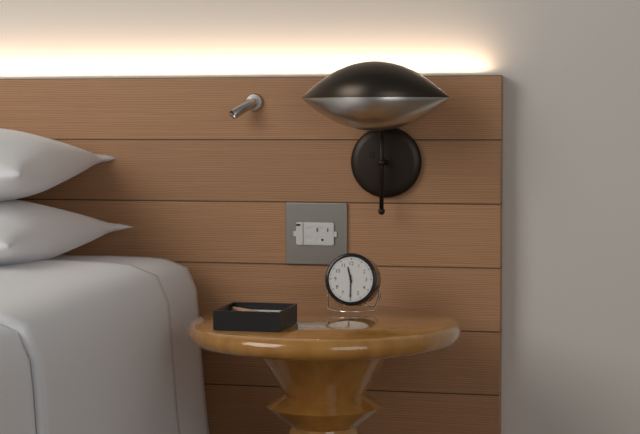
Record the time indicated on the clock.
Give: 11:30
